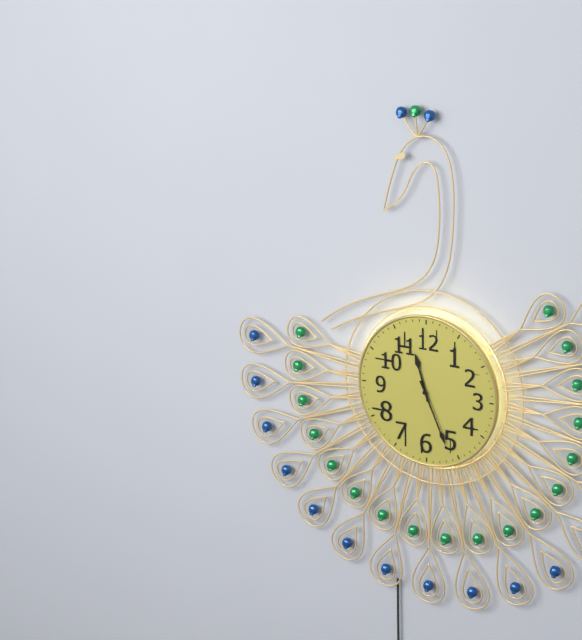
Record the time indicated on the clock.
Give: 11:26
